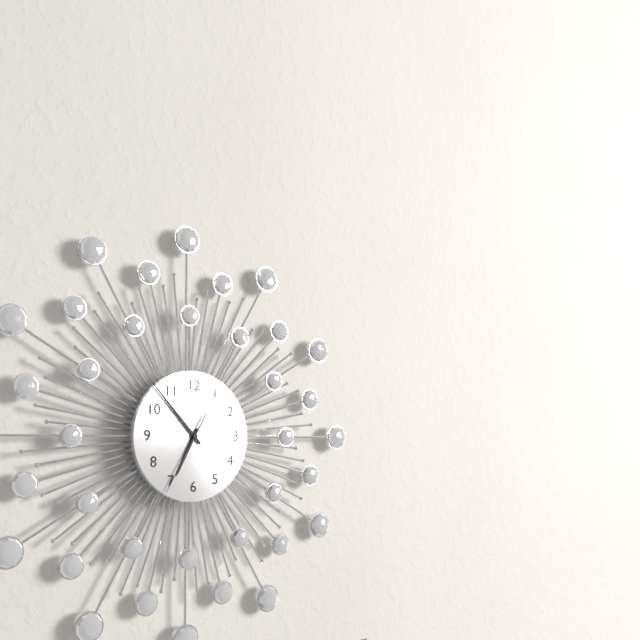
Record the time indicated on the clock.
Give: 6:53:35
